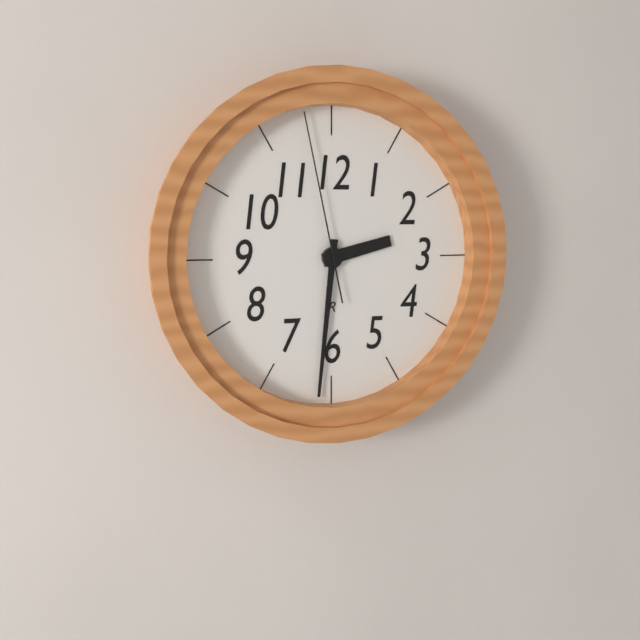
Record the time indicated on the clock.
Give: 2:31:58
